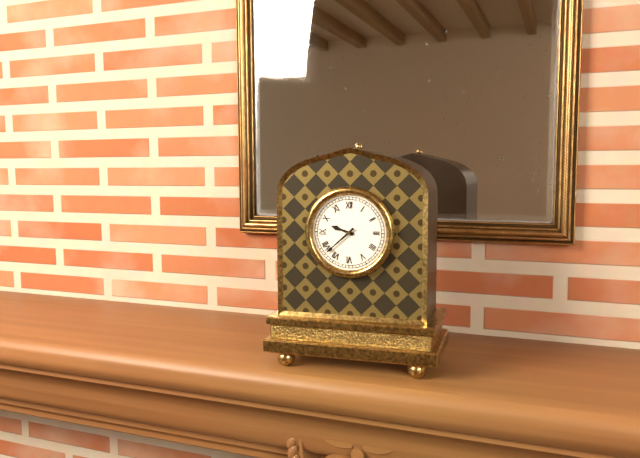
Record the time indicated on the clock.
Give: 9:38
